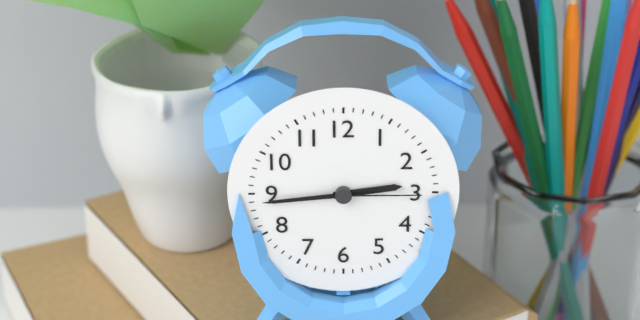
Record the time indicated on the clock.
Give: 2:44:15
